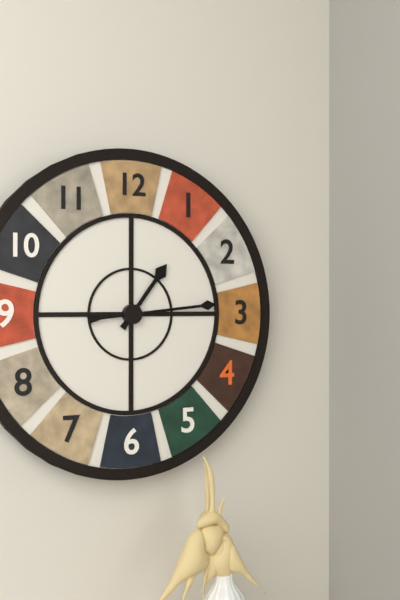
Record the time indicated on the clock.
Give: 1:14
